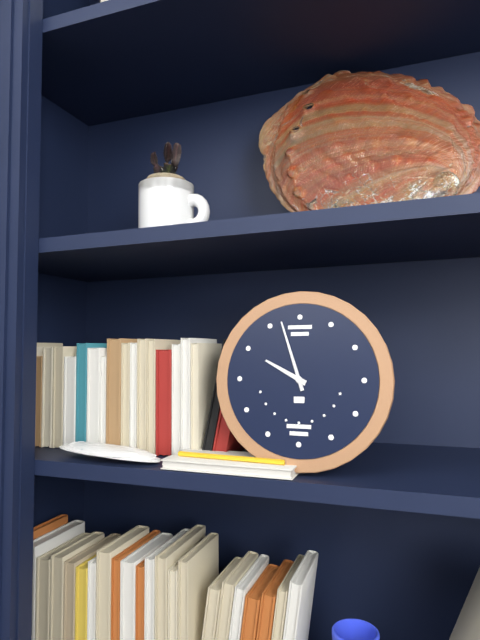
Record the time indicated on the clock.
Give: 9:57
